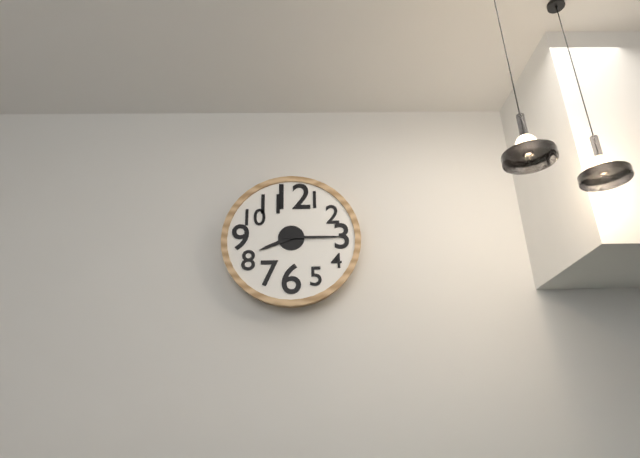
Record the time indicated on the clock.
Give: 8:15
